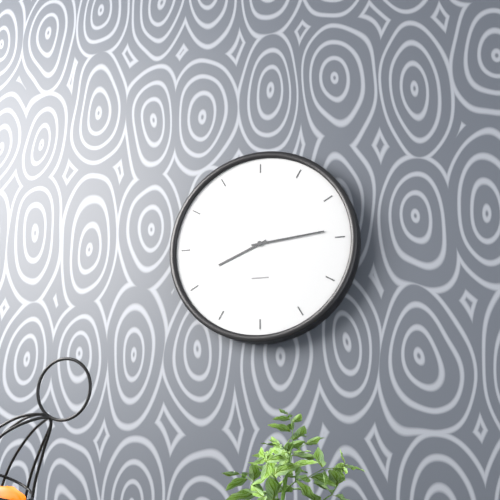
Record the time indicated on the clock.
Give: 8:14
